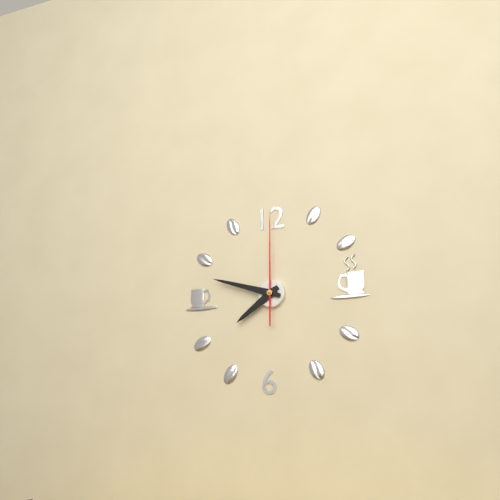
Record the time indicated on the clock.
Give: 7:48:00
